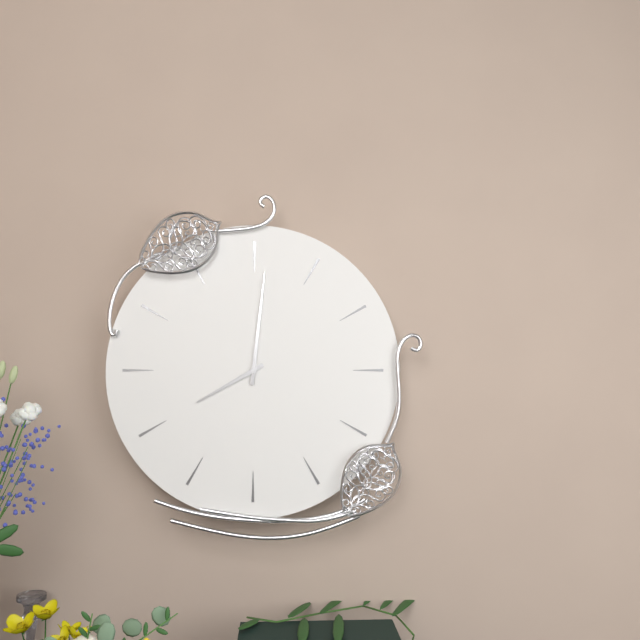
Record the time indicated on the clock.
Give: 8:01
